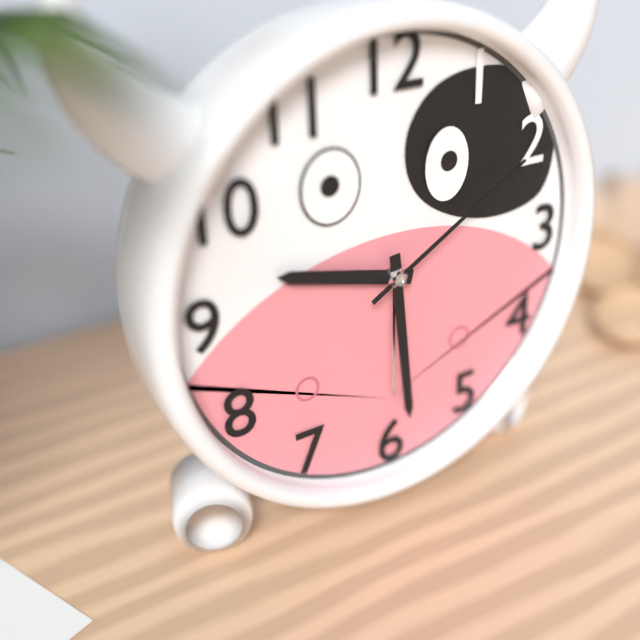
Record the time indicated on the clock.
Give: 9:29:10
